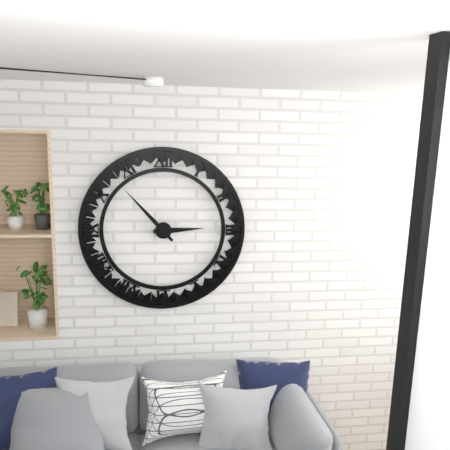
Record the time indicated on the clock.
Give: 2:53
